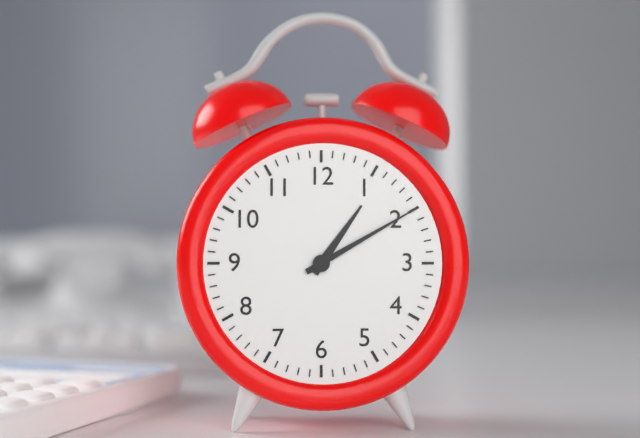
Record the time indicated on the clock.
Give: 1:10
